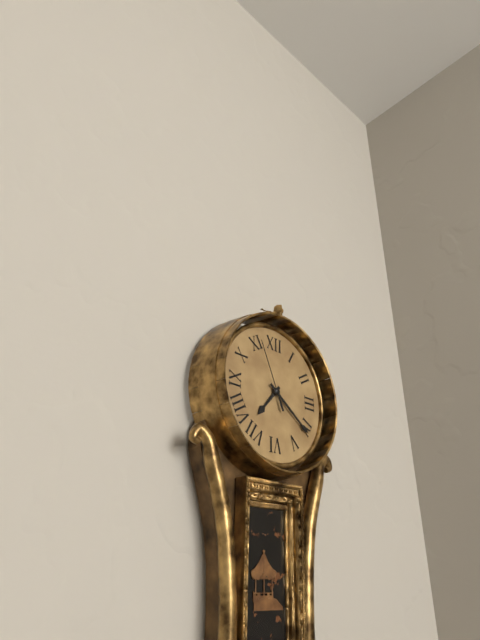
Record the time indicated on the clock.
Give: 7:21:56
